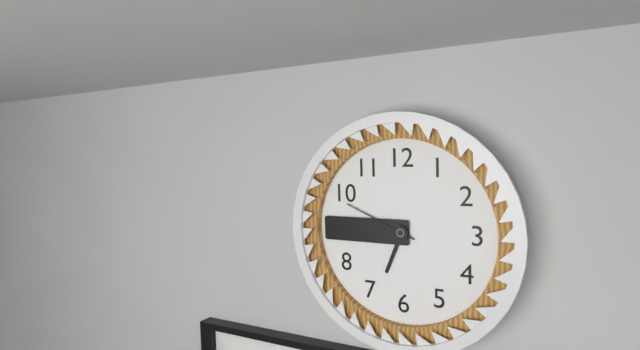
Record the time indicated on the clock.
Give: 6:45:49
